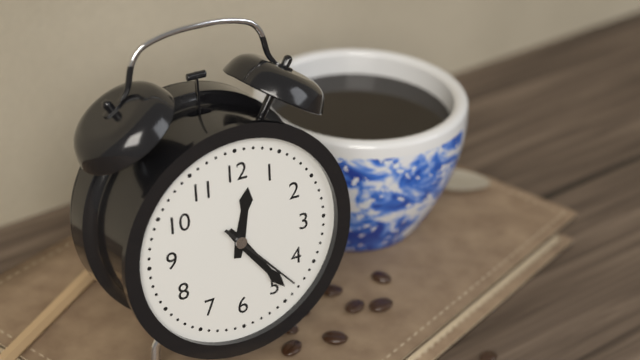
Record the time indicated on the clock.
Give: 12:24:23
